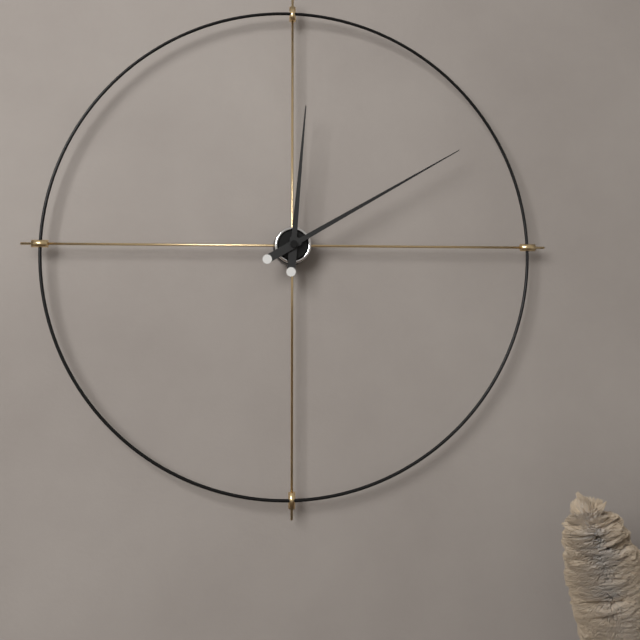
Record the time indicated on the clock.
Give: 12:10
